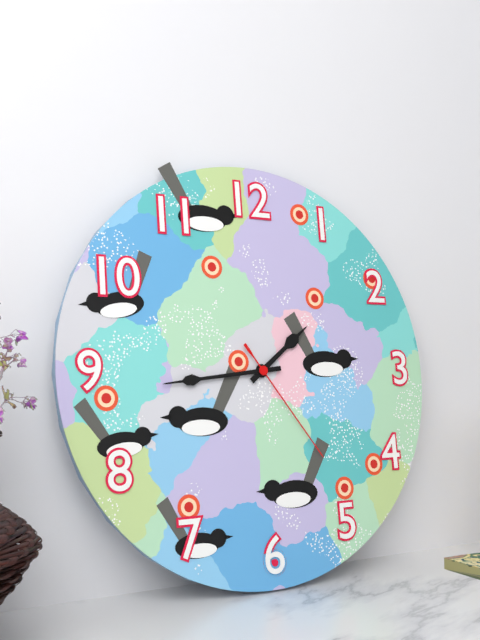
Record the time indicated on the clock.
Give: 1:44:24
